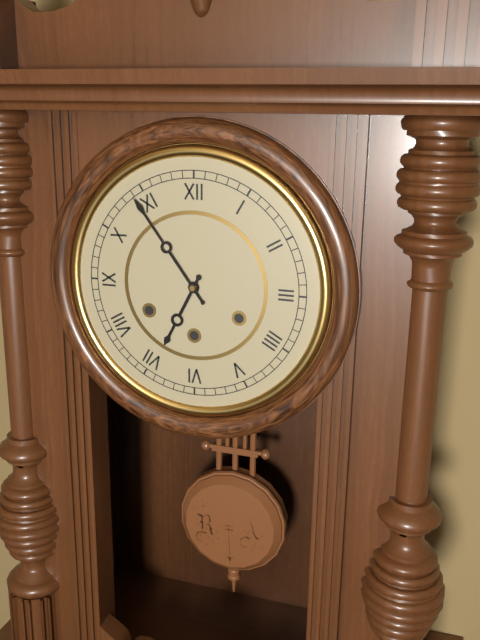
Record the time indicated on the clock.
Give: 6:54
